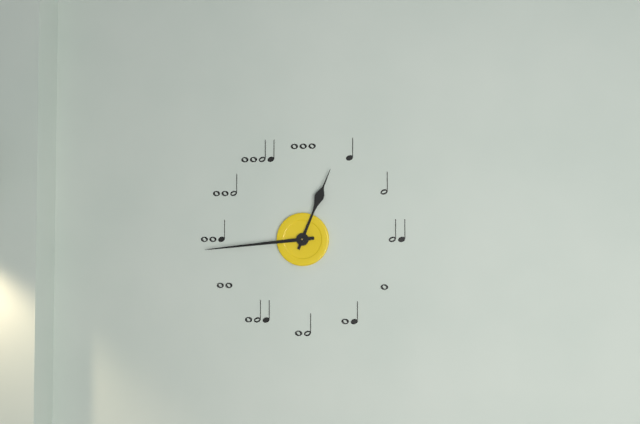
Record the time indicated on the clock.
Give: 12:44
